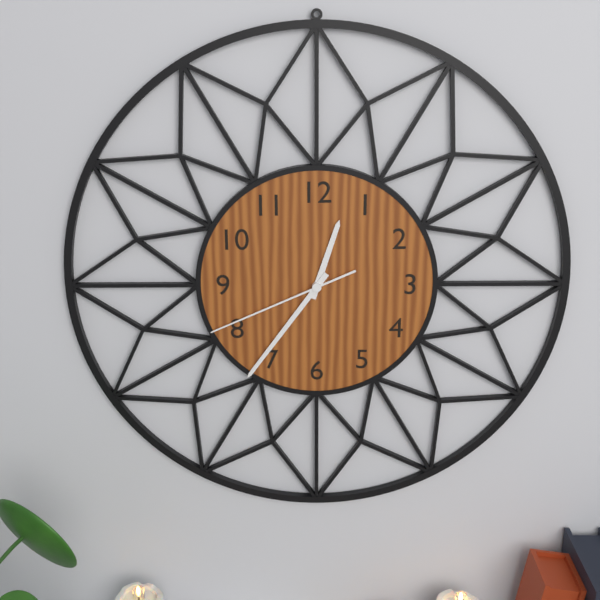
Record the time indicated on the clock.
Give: 12:36:41
